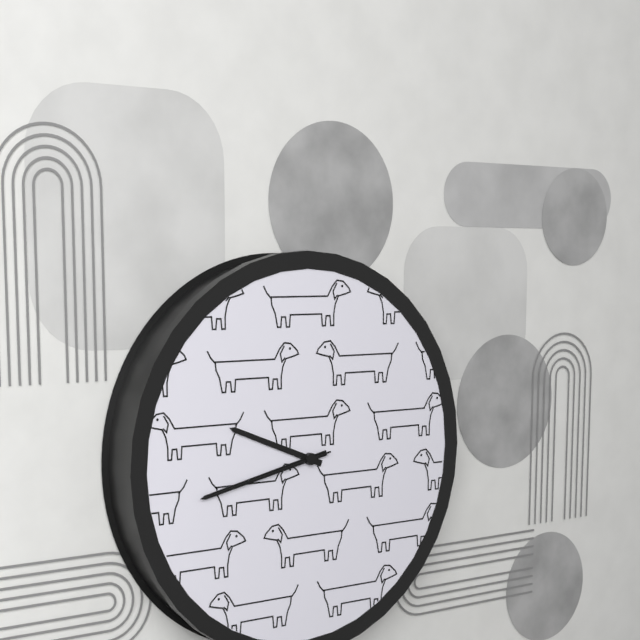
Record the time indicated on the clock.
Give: 9:43:43
